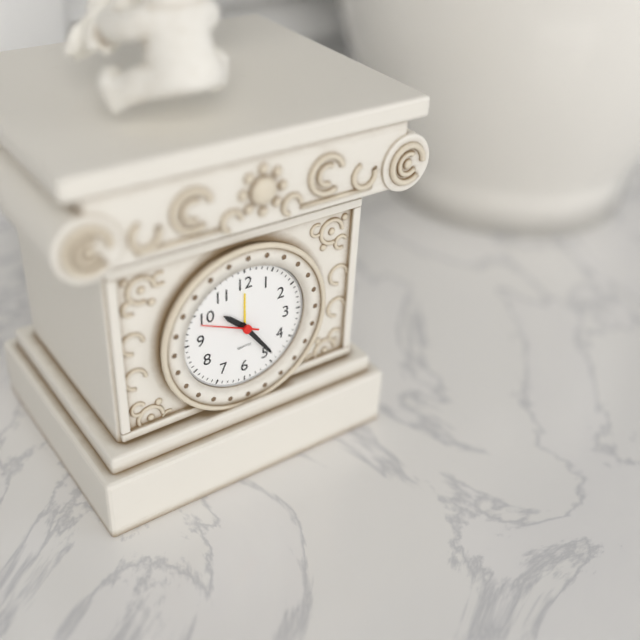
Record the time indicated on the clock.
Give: 10:24:49
